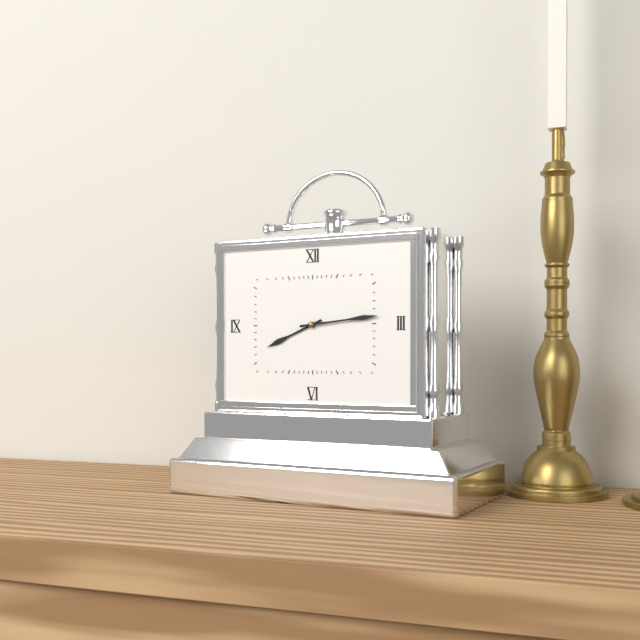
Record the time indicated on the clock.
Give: 8:14
